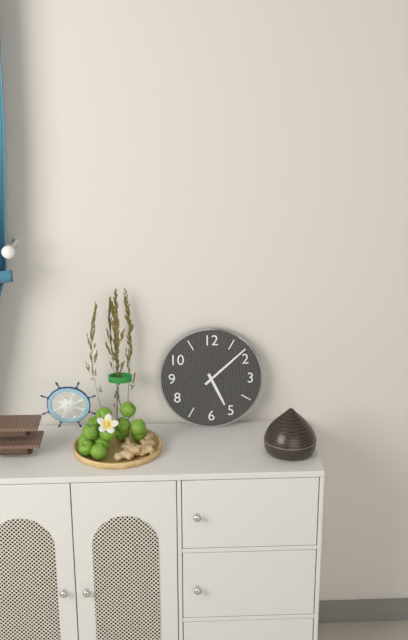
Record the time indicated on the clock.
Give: 5:08
